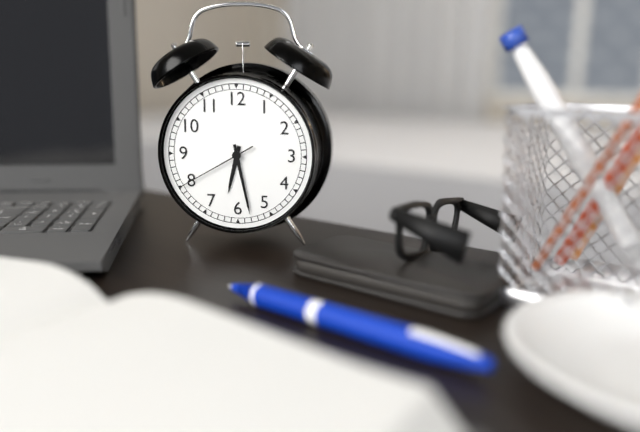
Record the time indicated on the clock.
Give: 6:28:40
